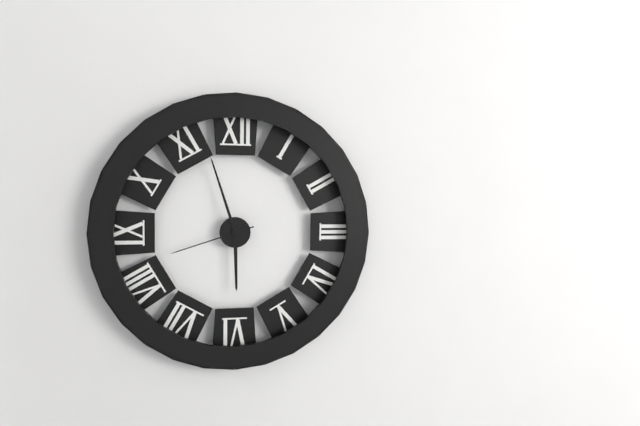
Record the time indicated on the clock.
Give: 5:57:42
